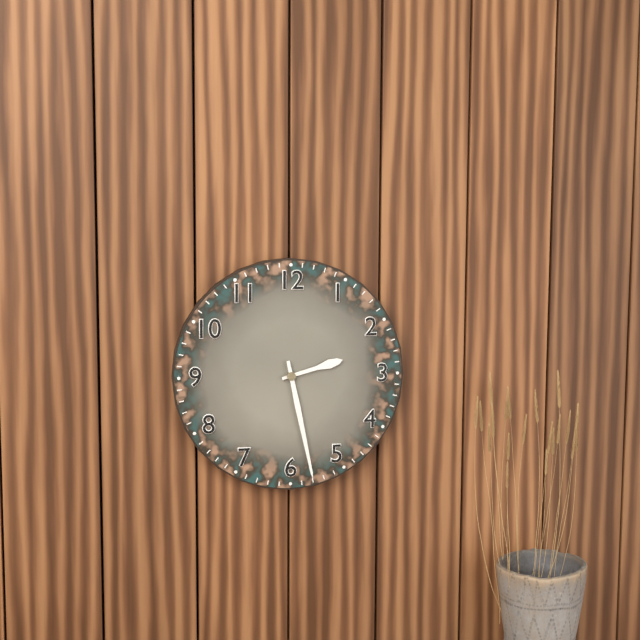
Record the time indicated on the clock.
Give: 2:28
